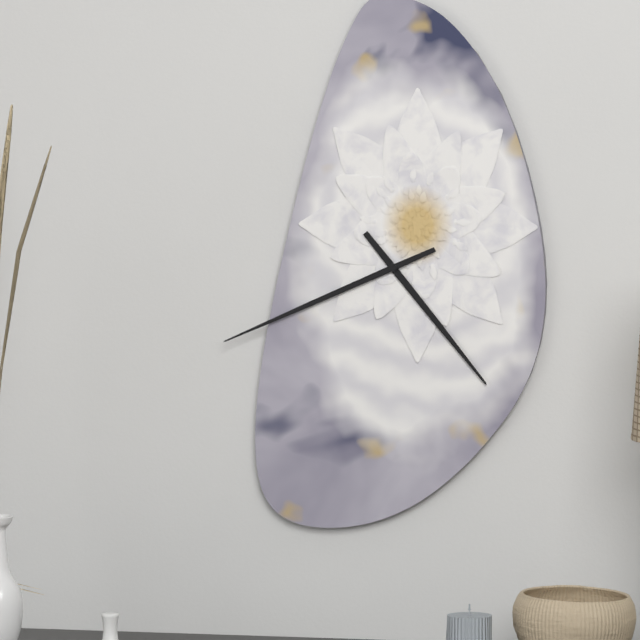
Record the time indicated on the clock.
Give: 4:41
